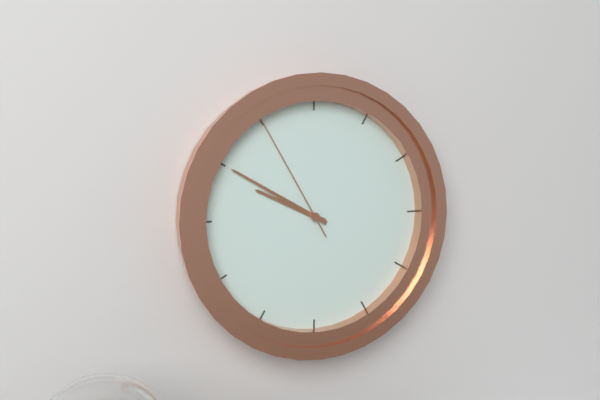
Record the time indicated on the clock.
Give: 9:50:55
